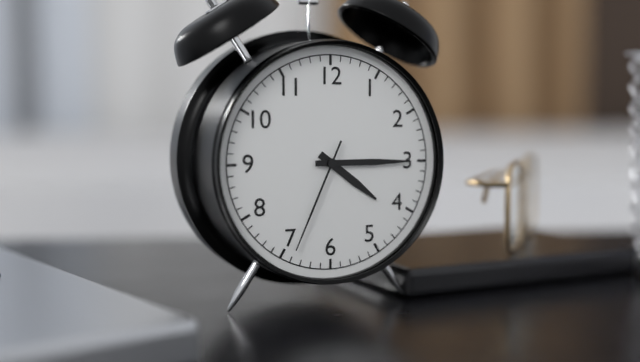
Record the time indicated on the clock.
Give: 4:15:34
